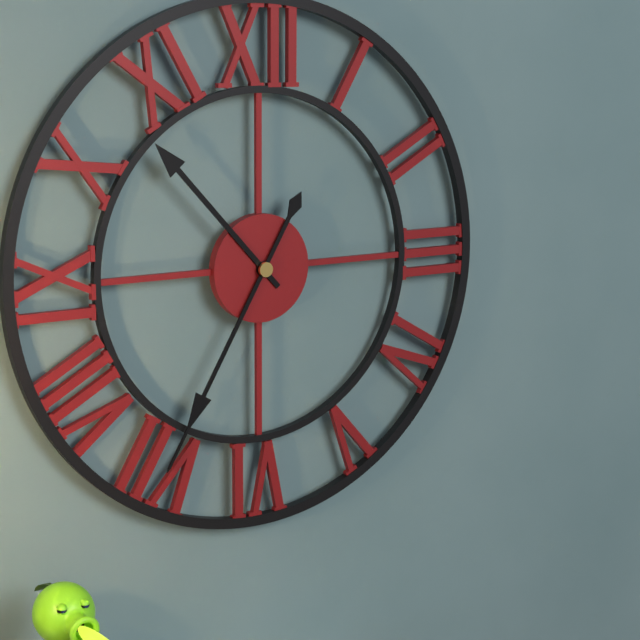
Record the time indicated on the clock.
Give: 10:35
